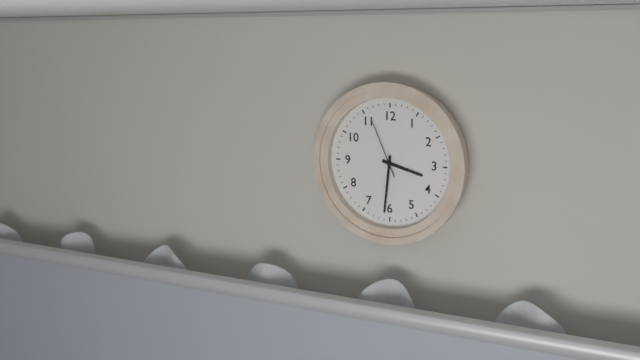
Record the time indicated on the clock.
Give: 3:31:56
